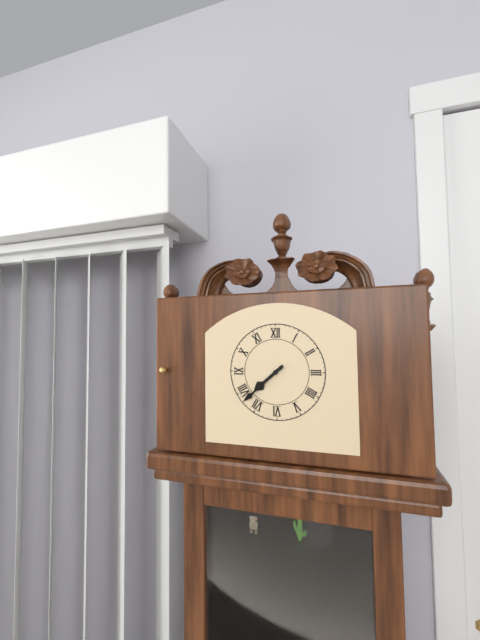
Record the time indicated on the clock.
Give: 7:38
